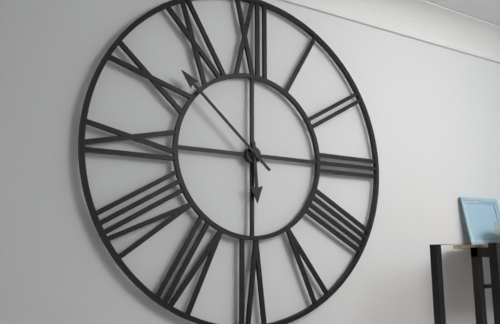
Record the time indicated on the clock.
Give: 5:52
